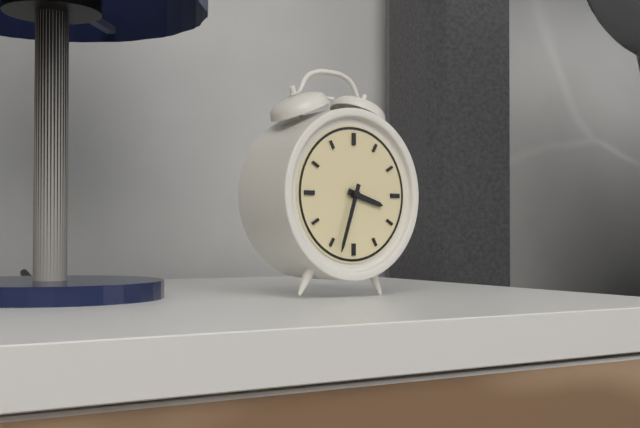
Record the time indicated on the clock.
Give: 3:33
